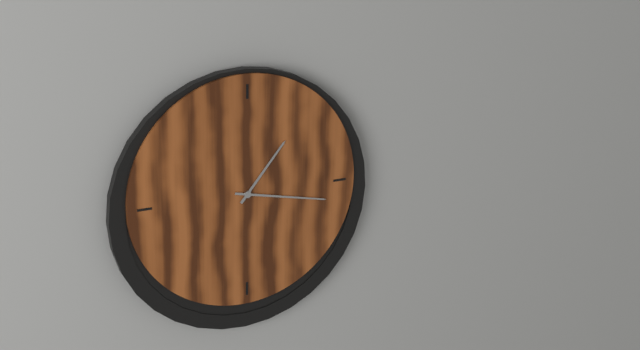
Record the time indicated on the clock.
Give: 1:17
